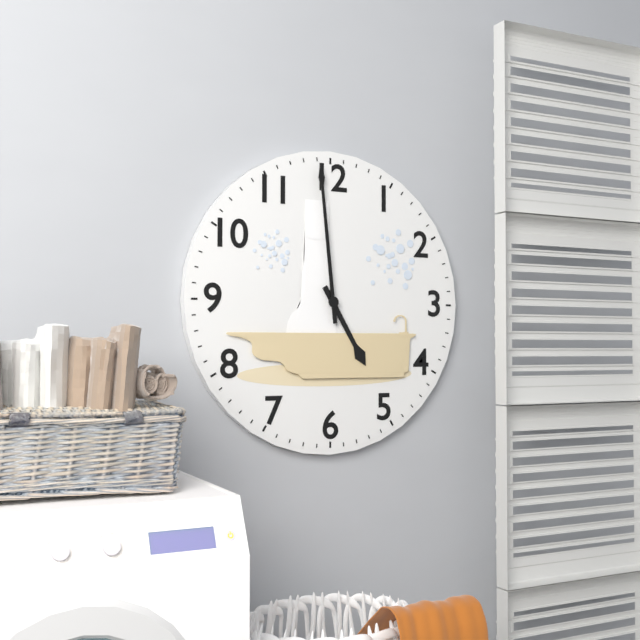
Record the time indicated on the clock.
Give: 4:59
